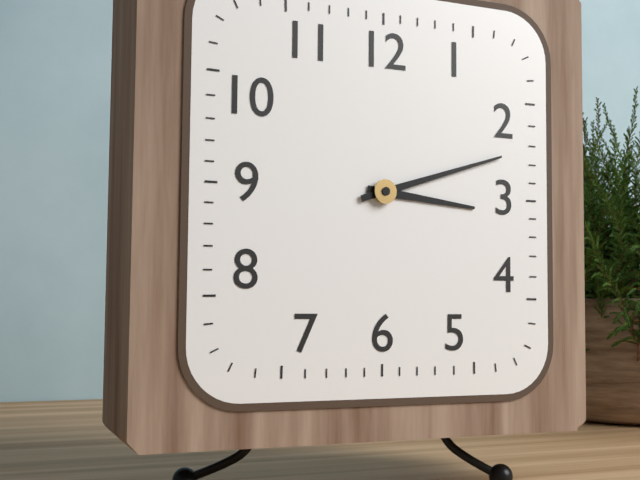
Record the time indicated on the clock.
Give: 3:12
